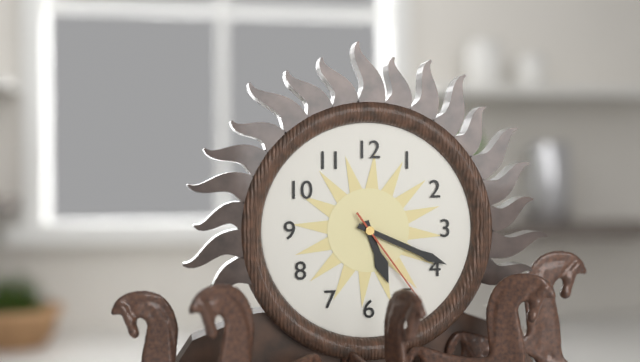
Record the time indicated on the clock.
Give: 5:19:24
